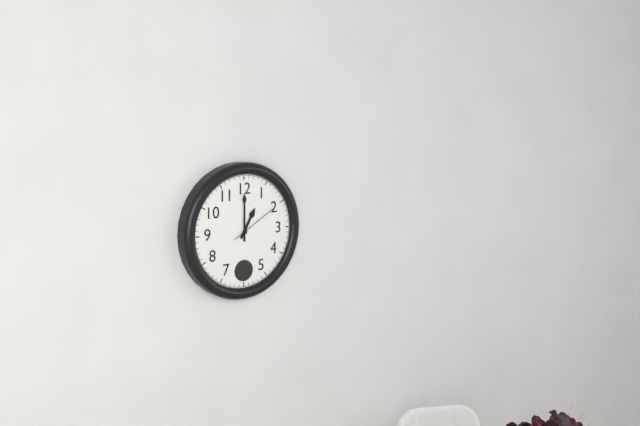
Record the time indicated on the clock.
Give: 1:00
